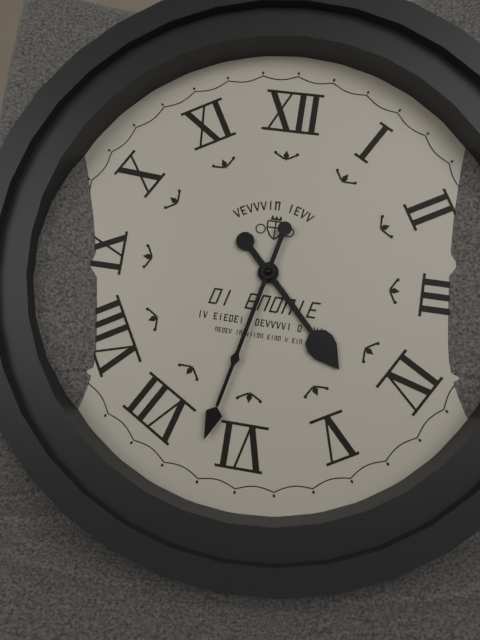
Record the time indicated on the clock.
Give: 4:32
